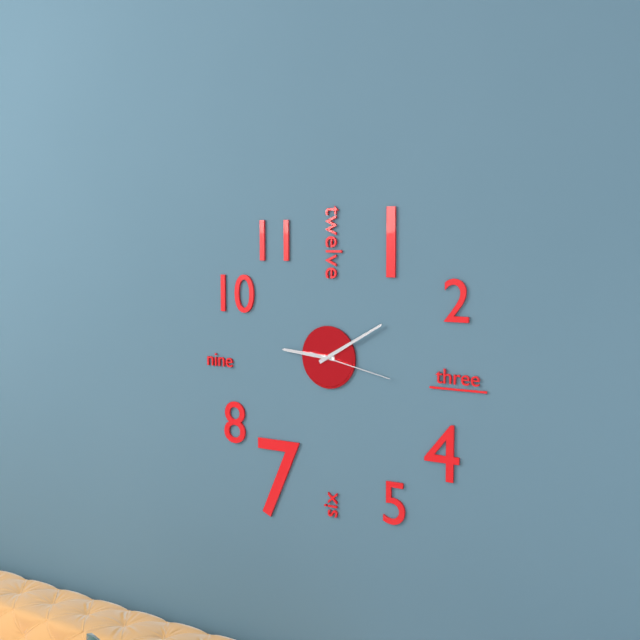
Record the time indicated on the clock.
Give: 9:10:17
